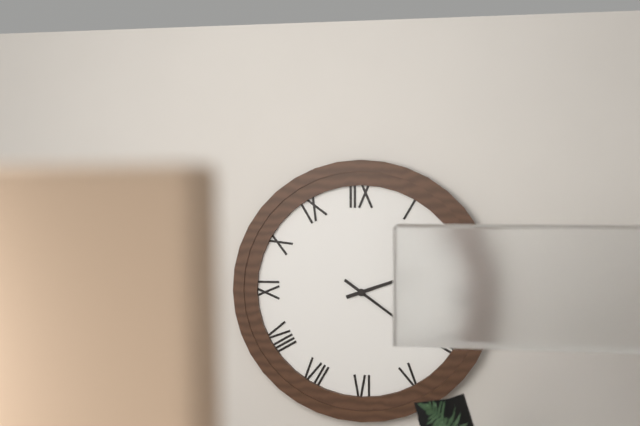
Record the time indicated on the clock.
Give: 2:21
